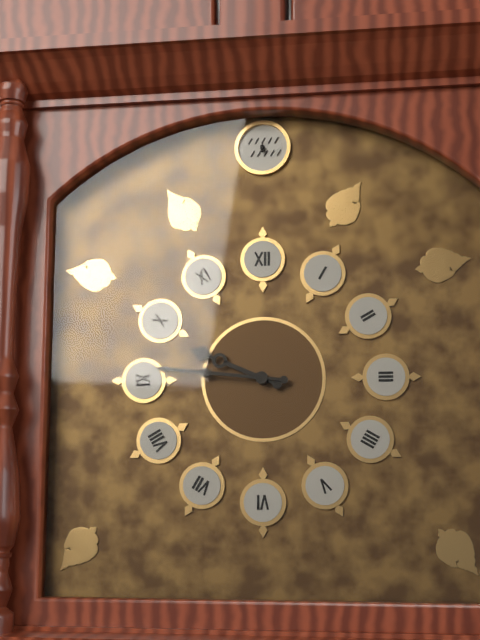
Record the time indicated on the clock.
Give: 9:46
